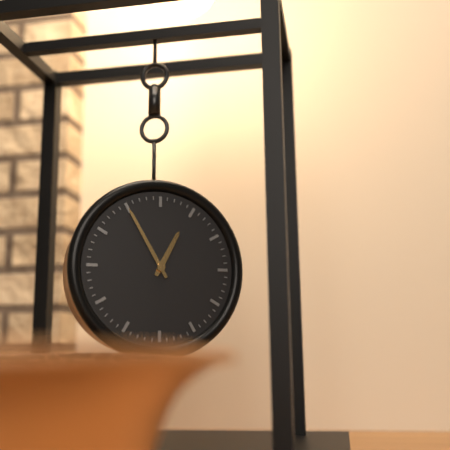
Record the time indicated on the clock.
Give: 12:55
